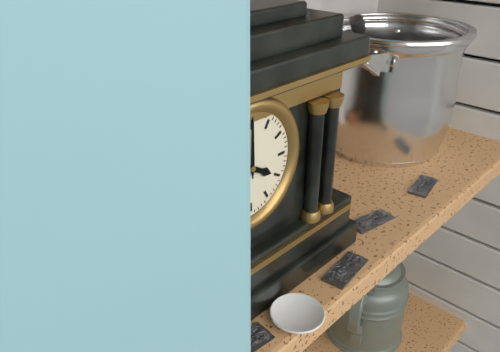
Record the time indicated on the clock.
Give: 4:00
